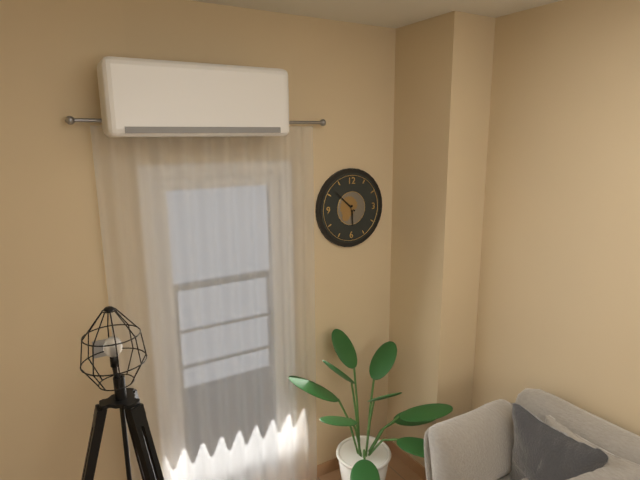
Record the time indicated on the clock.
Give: 5:52
